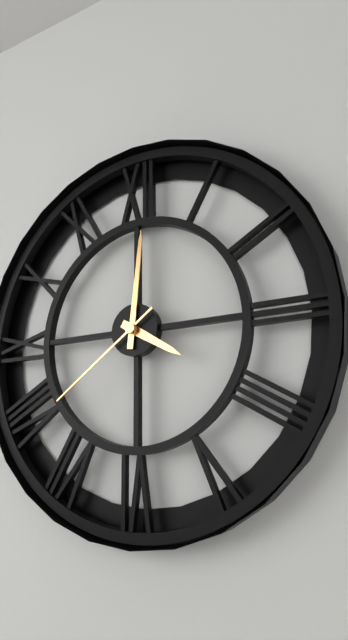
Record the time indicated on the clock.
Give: 4:01:39
